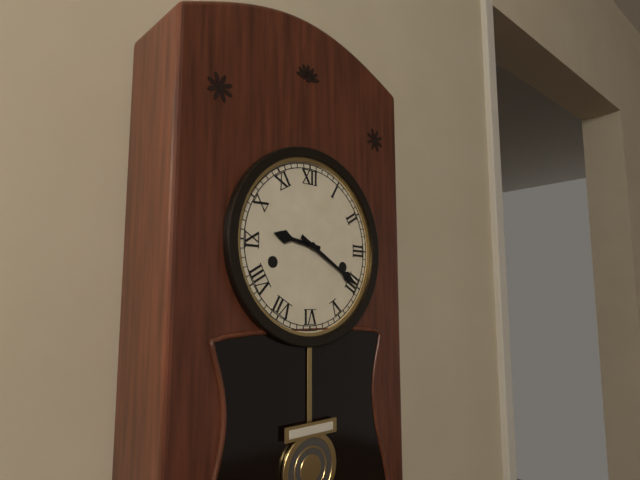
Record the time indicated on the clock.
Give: 9:20
